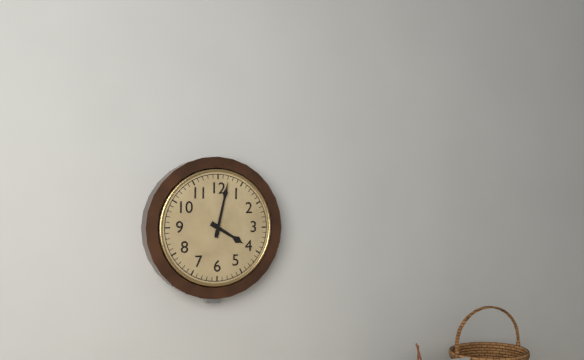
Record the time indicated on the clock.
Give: 4:02
